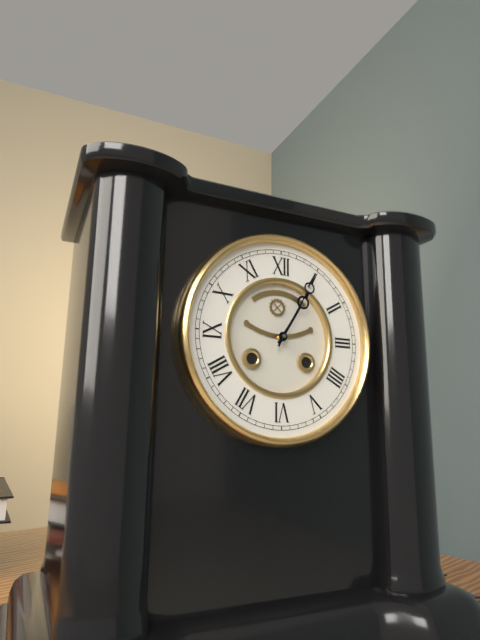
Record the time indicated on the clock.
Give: 1:05
